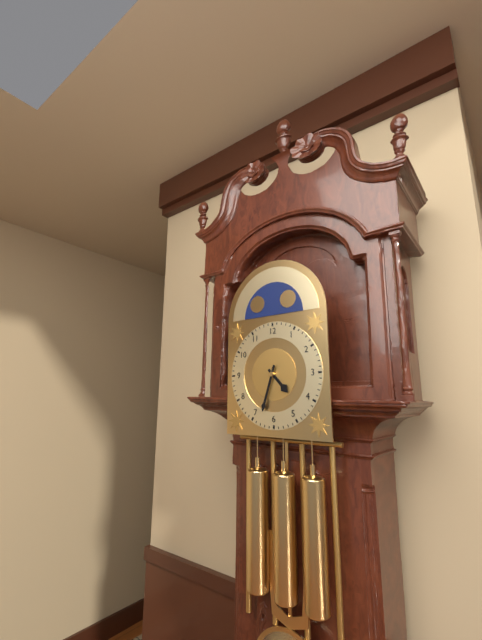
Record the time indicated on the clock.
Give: 4:33
